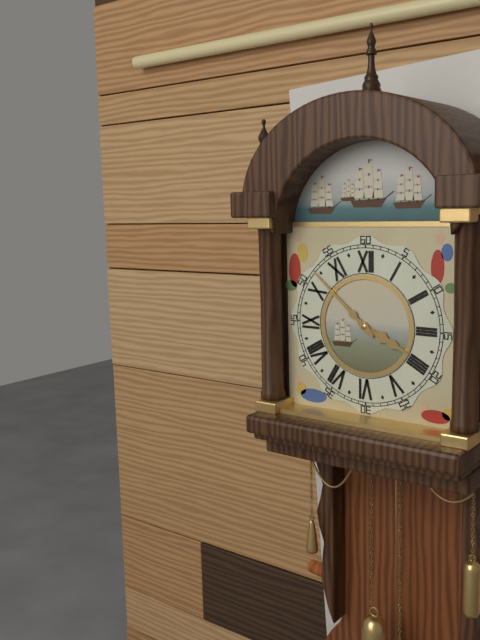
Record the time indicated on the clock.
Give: 3:52
